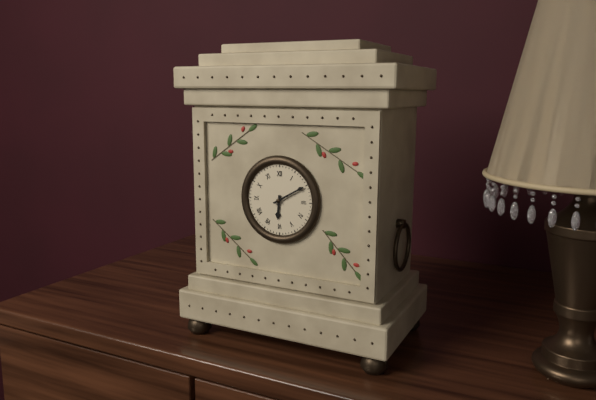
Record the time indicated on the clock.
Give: 6:10
